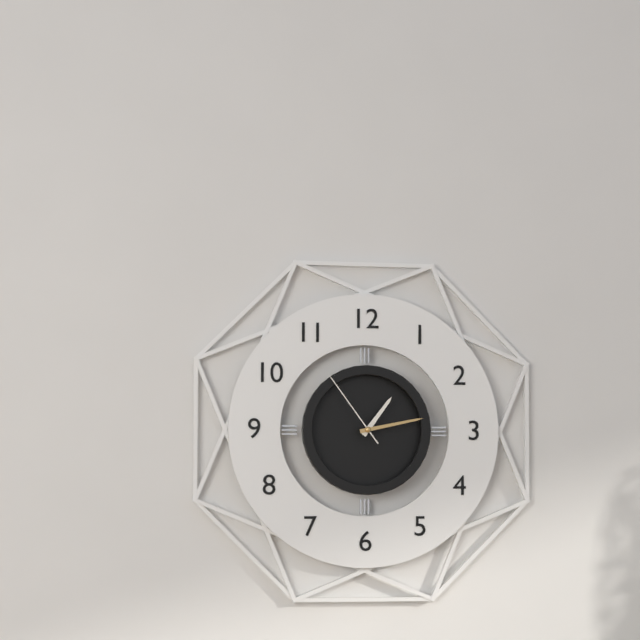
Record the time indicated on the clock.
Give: 1:13:54
